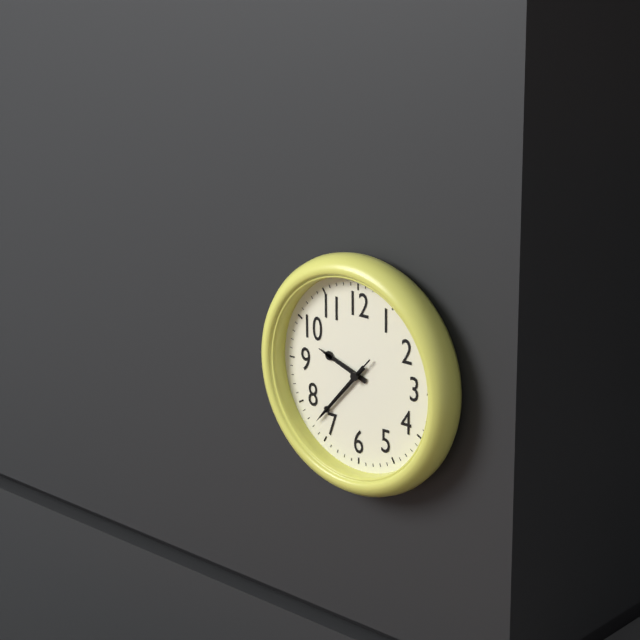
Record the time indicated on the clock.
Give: 9:37:37
